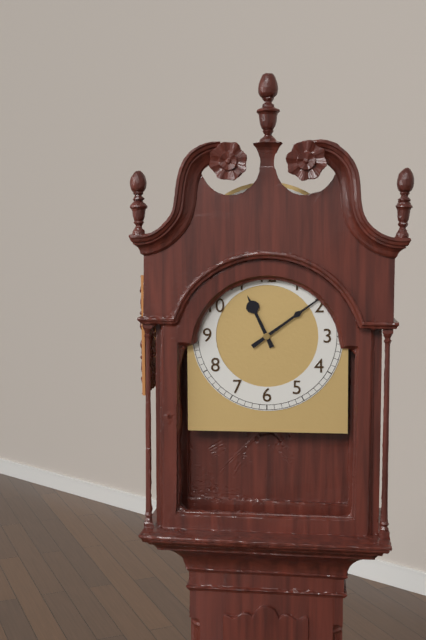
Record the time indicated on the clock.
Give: 11:09
